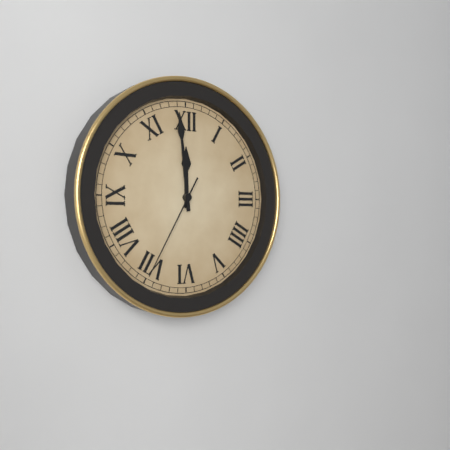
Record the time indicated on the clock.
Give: 11:59:35
